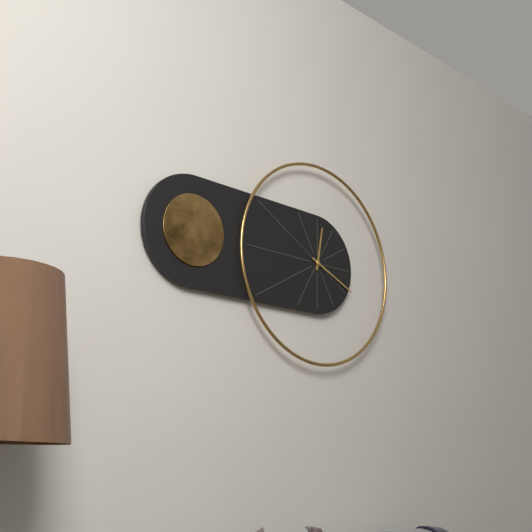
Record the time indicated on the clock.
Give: 12:19
